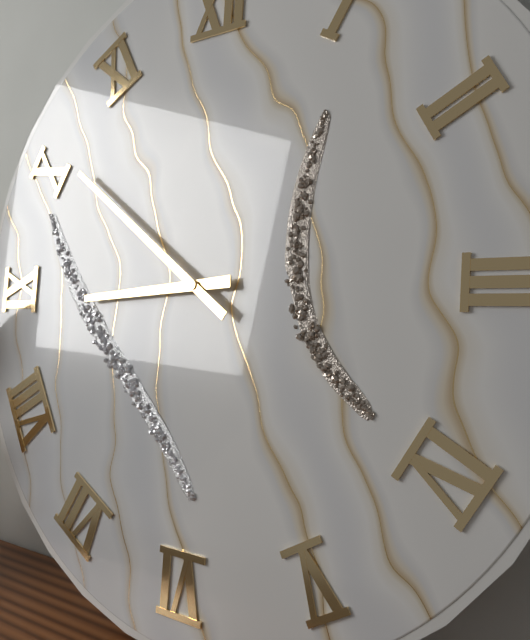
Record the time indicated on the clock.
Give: 8:51
